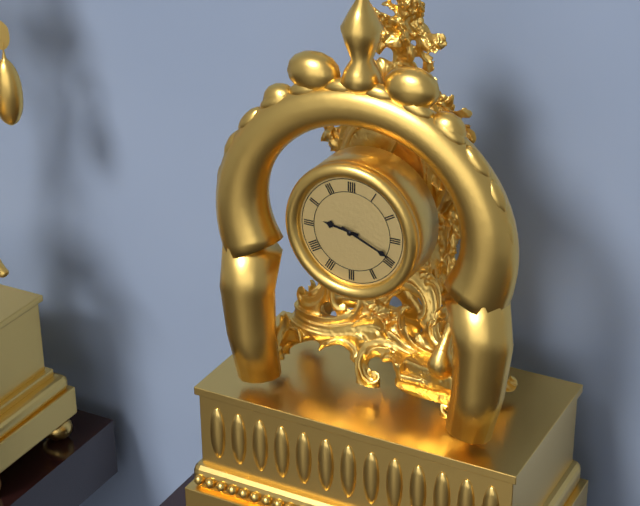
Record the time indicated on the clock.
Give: 9:19
